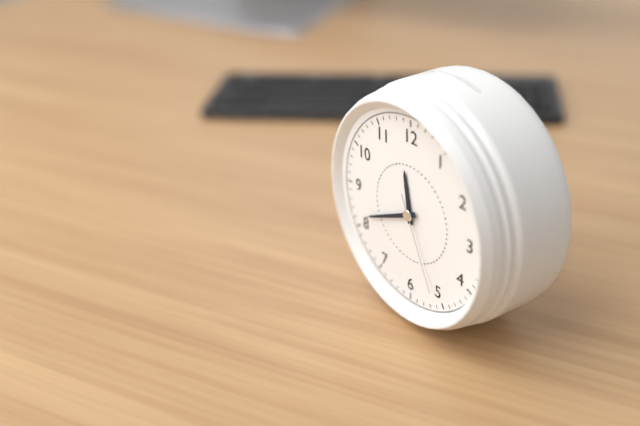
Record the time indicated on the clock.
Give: 11:41:26
